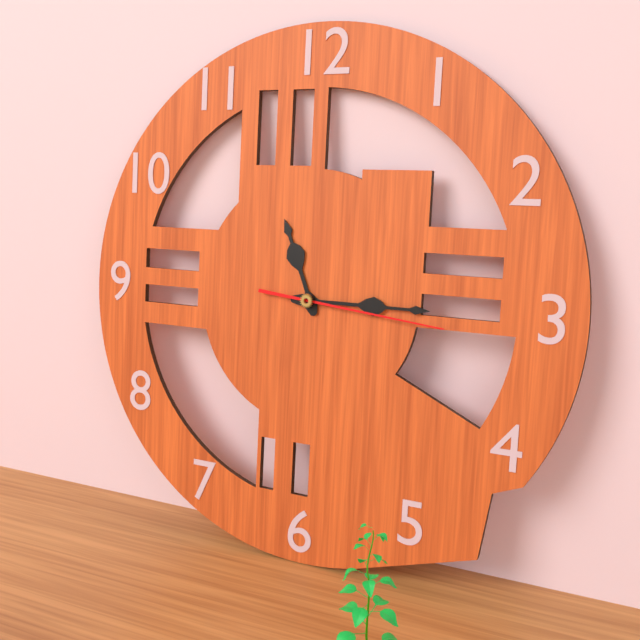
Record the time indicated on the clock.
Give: 11:15:16
